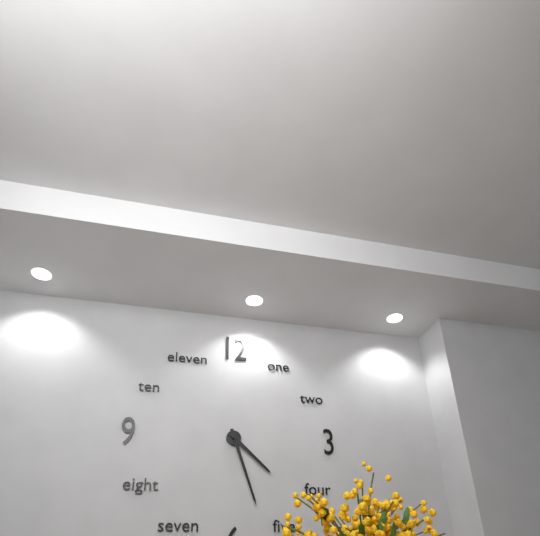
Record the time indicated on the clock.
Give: 4:27
